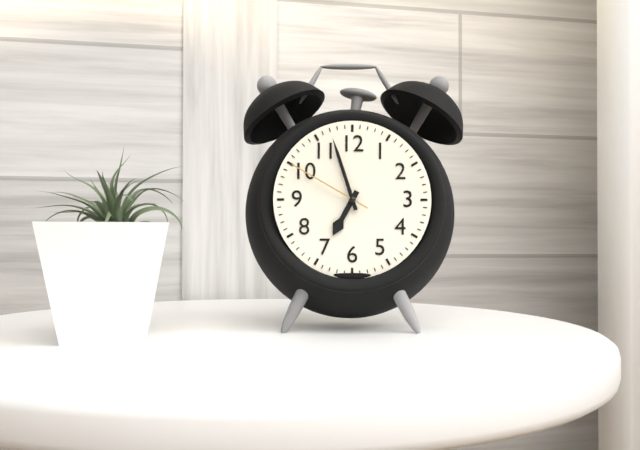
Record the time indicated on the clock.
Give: 6:57:50
